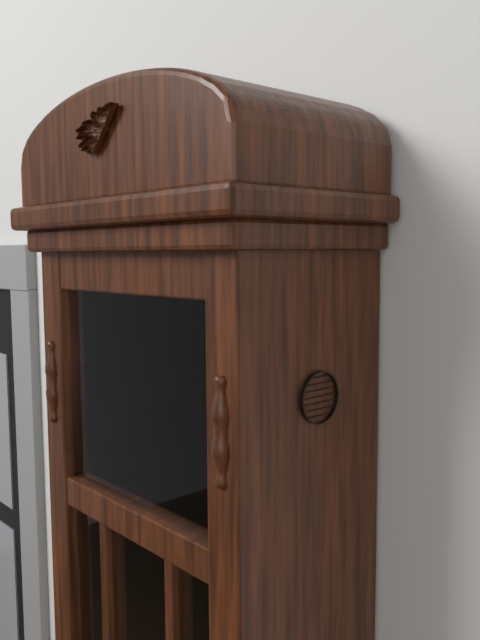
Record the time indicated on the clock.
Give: 1:32
